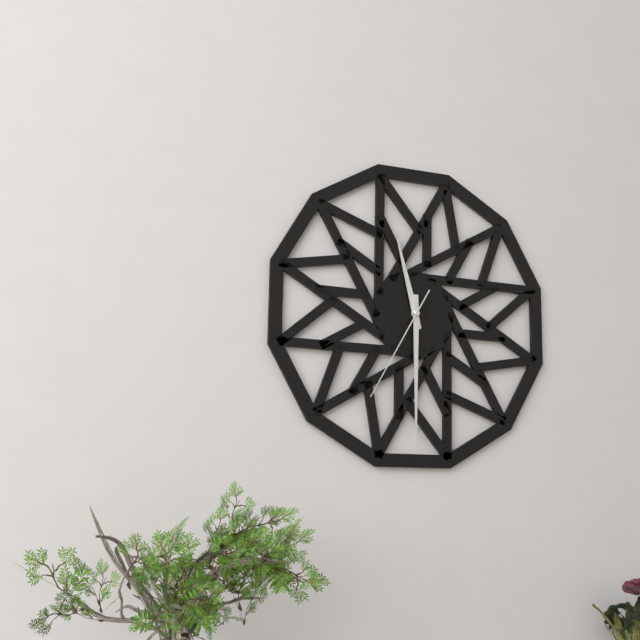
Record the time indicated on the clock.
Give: 11:30:35
